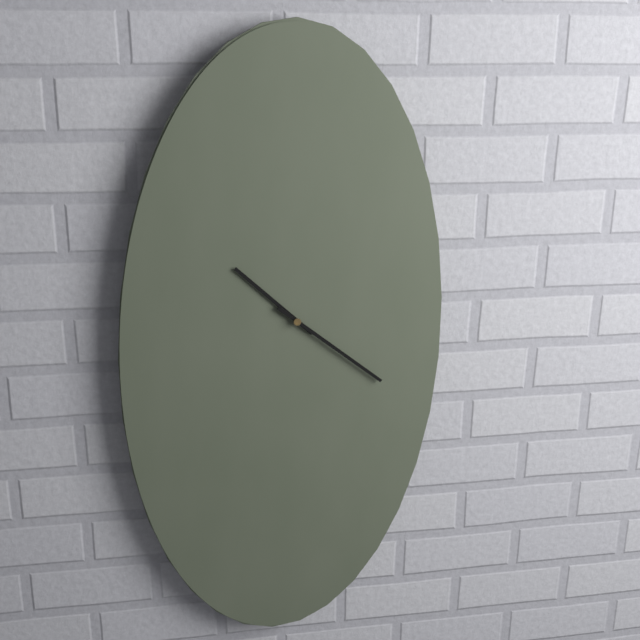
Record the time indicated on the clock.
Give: 10:21
